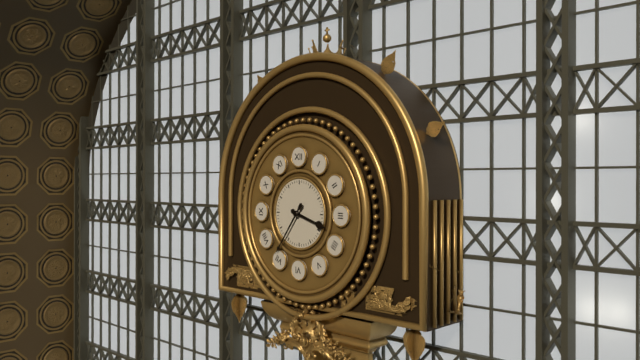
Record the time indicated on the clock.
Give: 3:36
